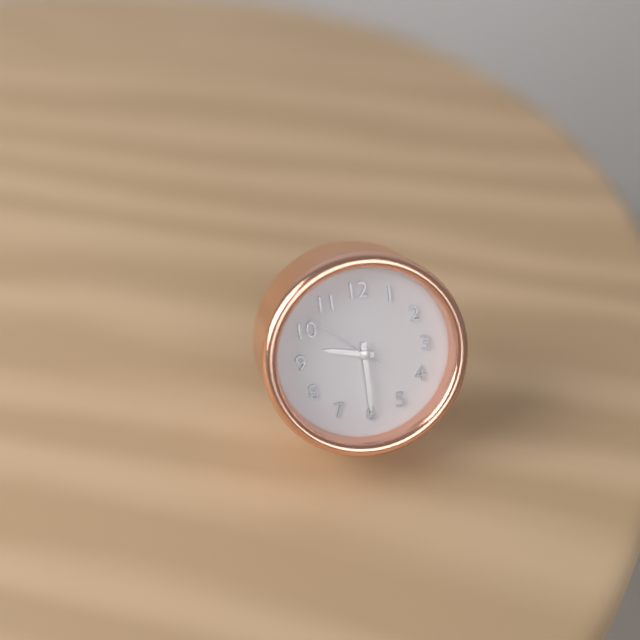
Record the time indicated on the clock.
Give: 9:30:52
